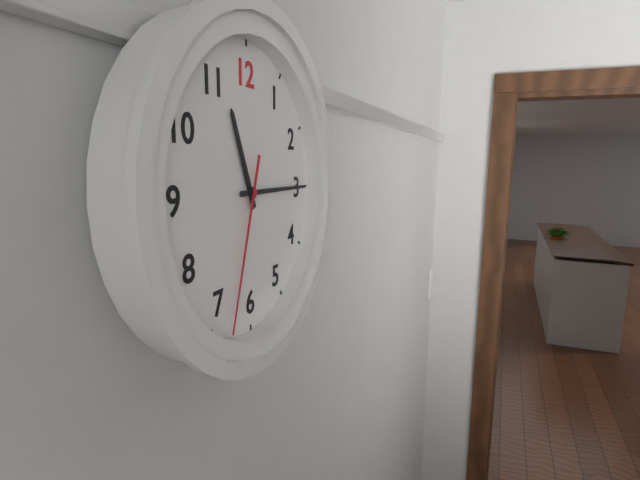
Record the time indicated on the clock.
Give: 11:15:33
